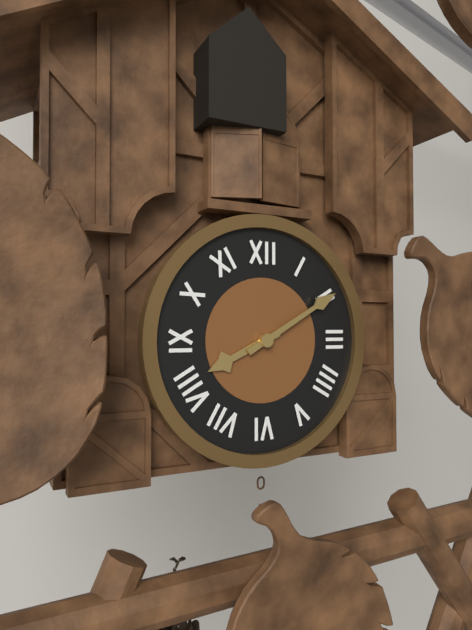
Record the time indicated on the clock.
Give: 8:10
